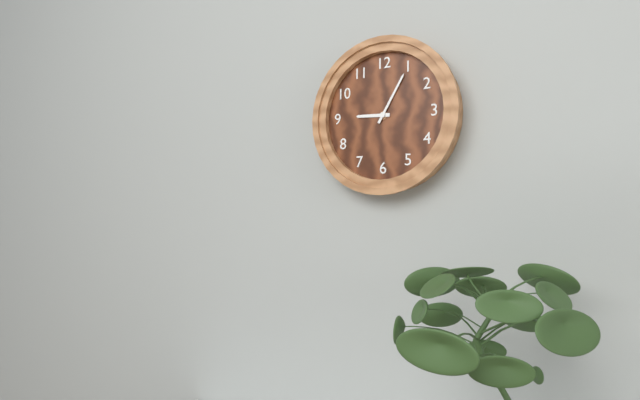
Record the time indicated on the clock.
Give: 9:05
